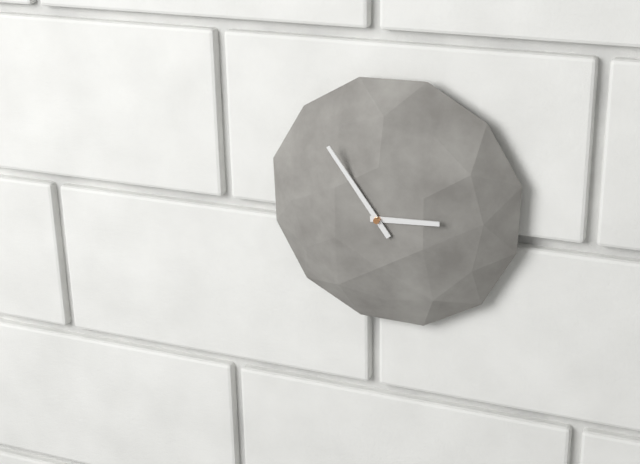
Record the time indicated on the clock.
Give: 2:54
